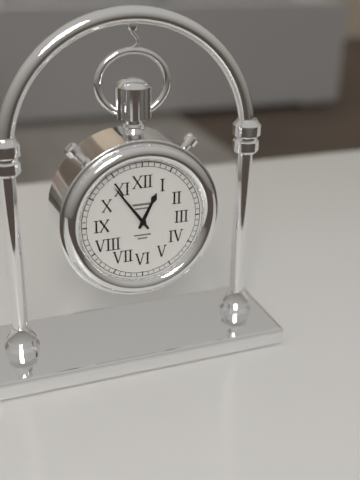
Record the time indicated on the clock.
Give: 12:54
